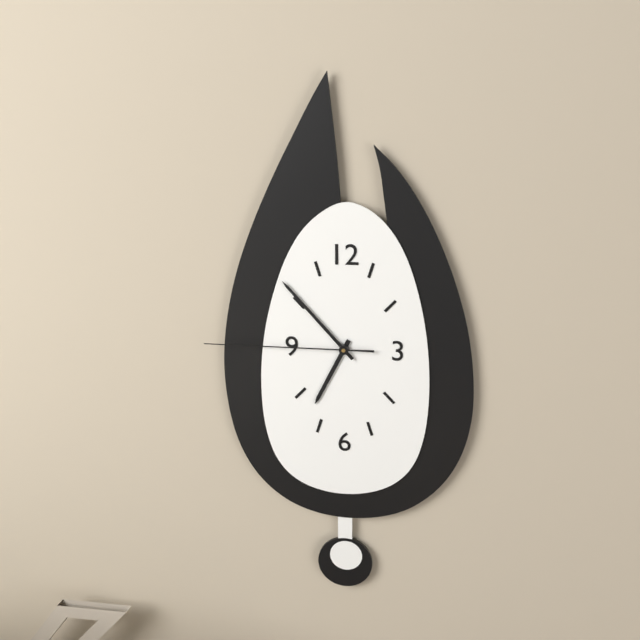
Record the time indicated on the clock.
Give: 6:53:45
